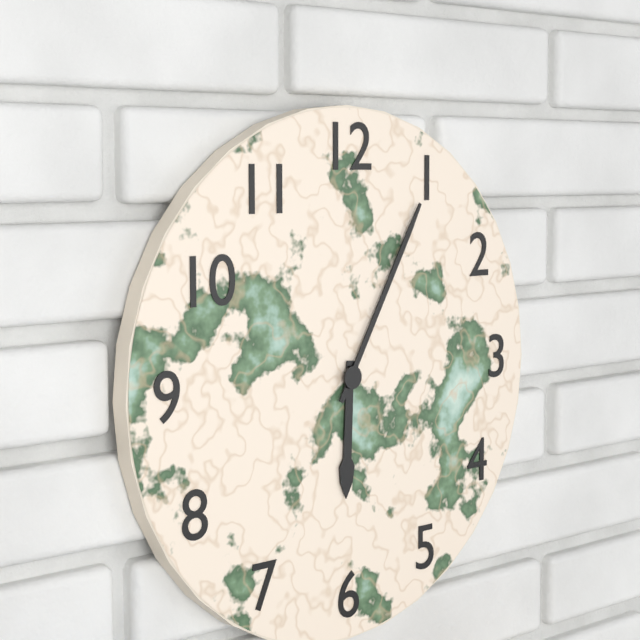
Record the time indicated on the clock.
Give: 6:05
